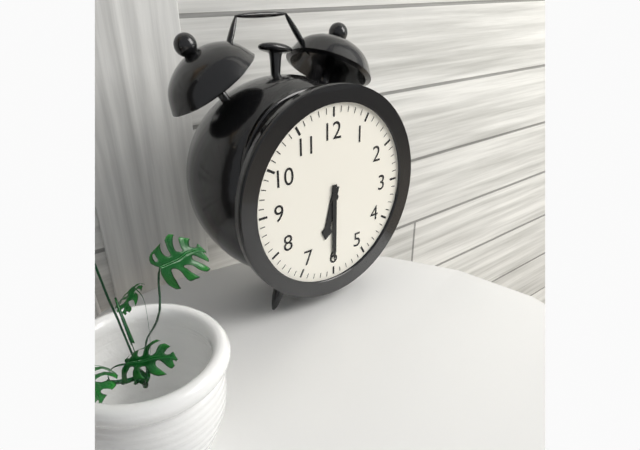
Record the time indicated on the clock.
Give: 6:30
